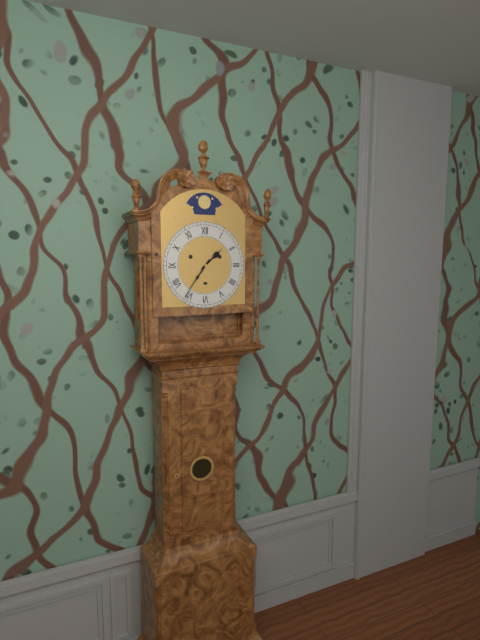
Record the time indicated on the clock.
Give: 1:36
